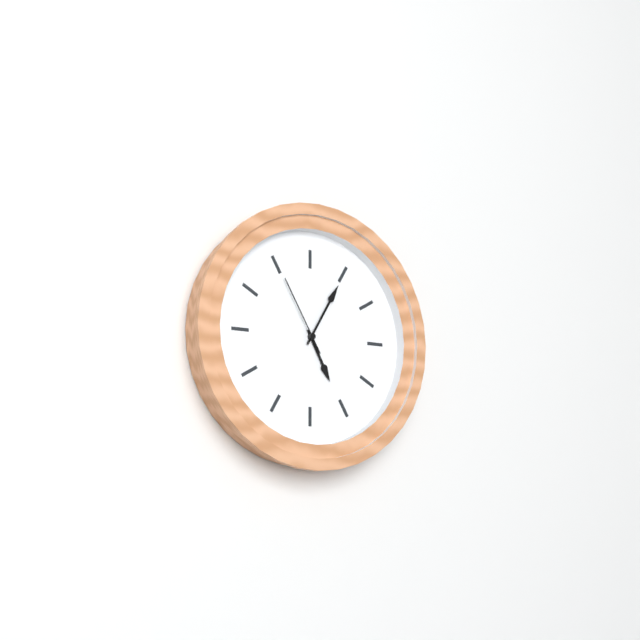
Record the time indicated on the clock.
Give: 5:05:55
